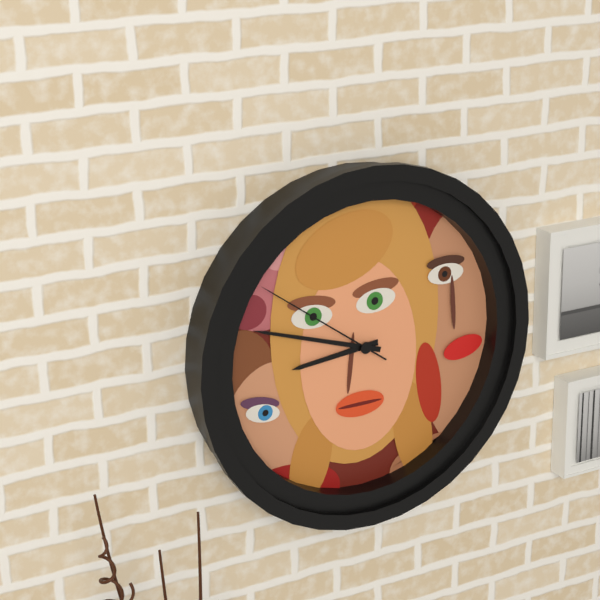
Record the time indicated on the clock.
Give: 8:48:51
